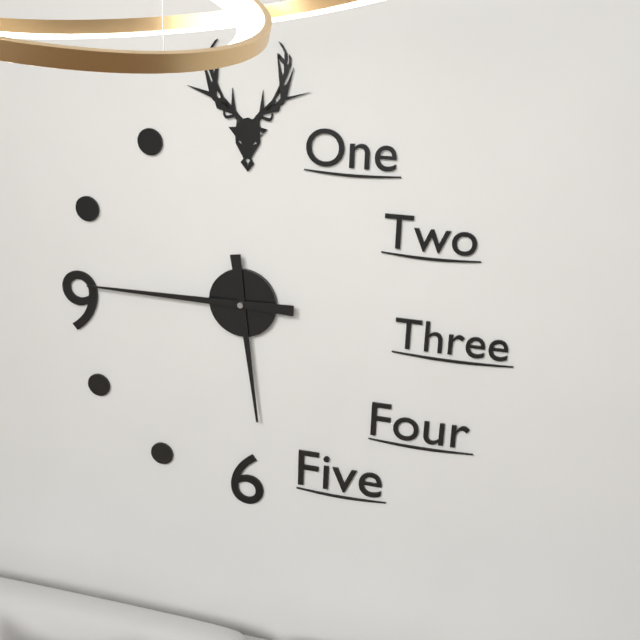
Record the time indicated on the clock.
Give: 5:45
